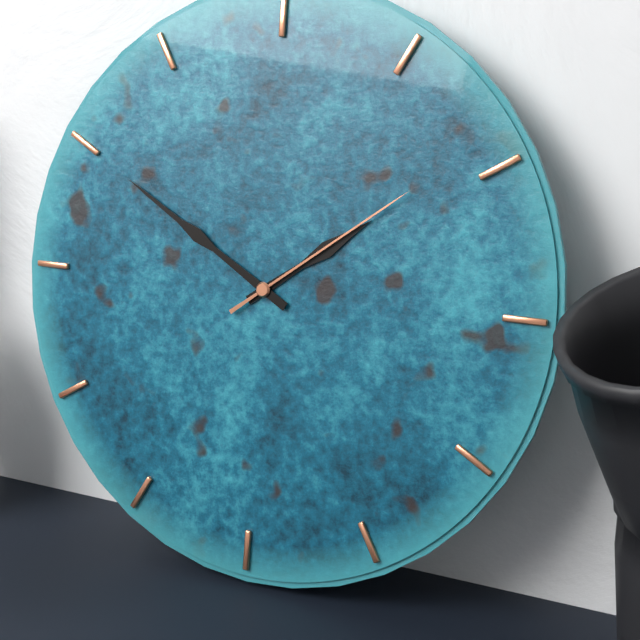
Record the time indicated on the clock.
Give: 1:50:09
